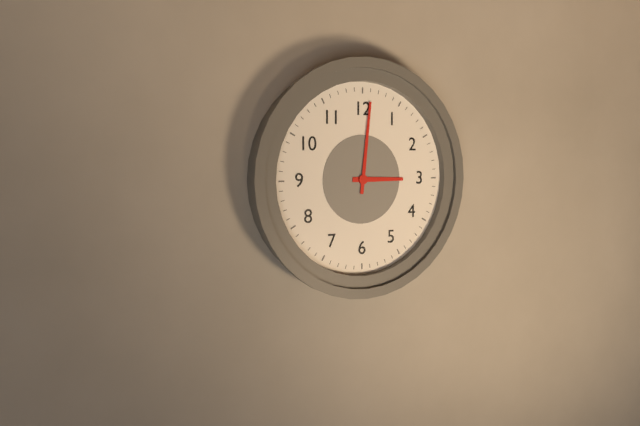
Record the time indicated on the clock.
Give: 3:01
